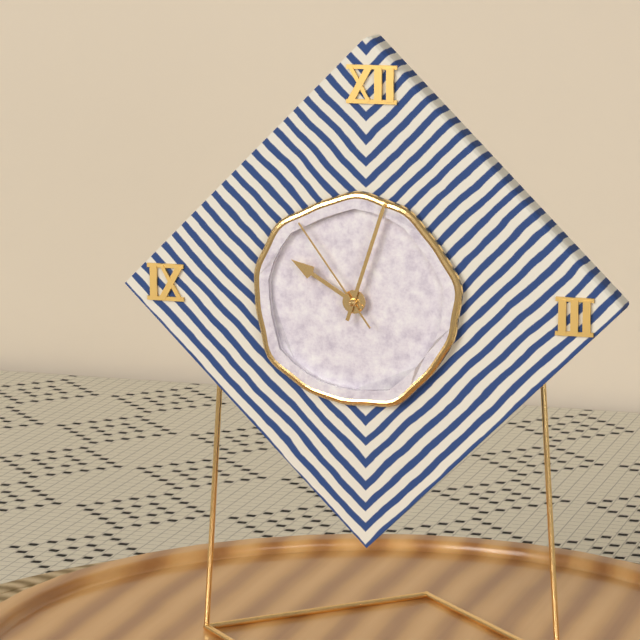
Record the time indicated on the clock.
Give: 10:03:54
